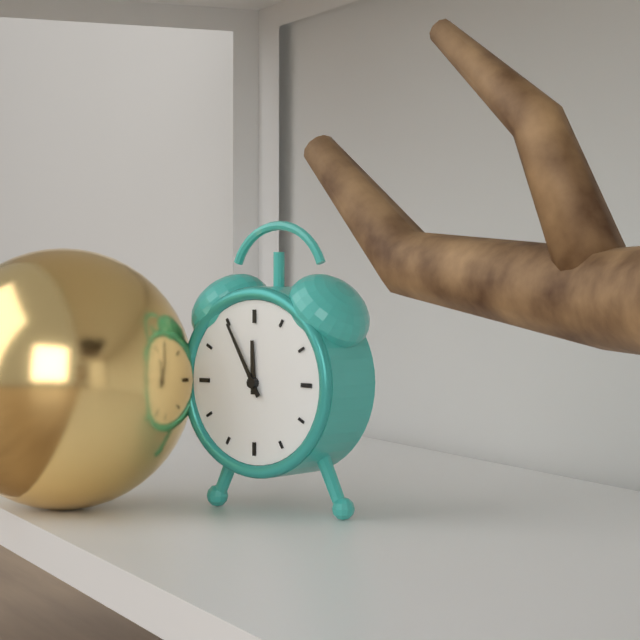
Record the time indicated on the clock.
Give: 11:55
